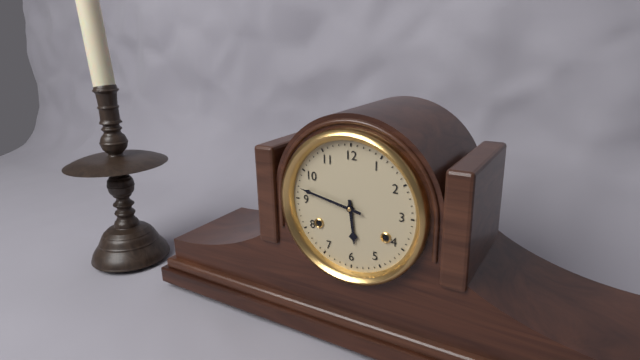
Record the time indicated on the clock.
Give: 5:47
